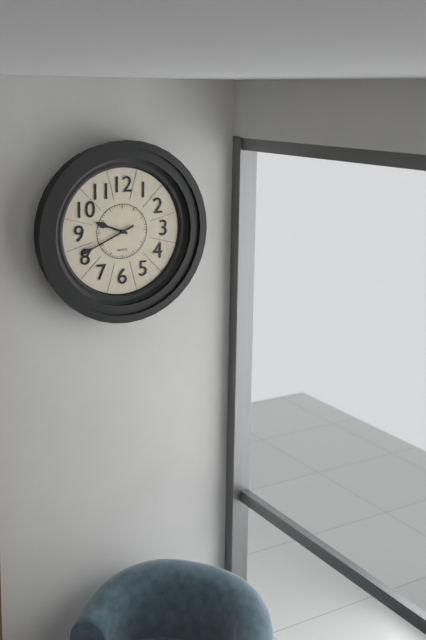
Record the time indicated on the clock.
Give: 9:41
